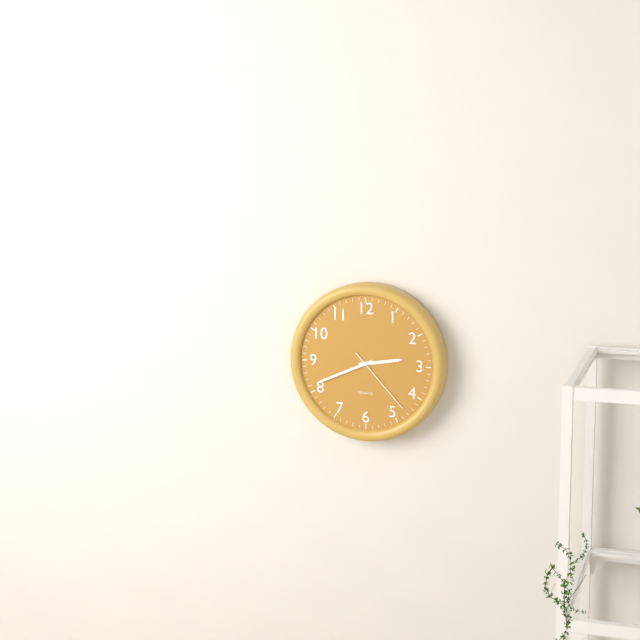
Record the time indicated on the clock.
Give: 2:41:23
